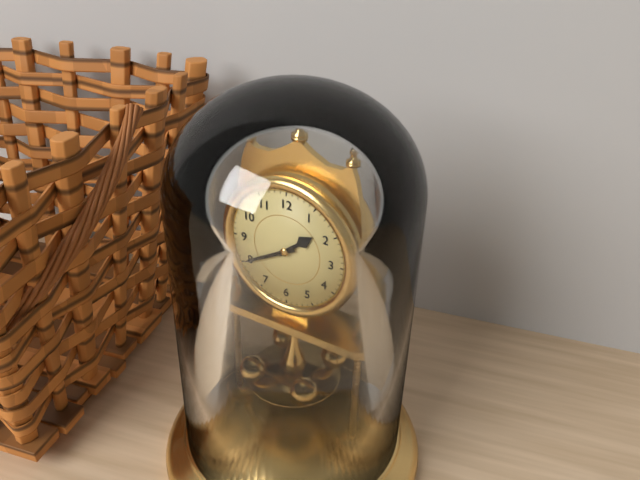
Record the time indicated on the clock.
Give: 1:40
